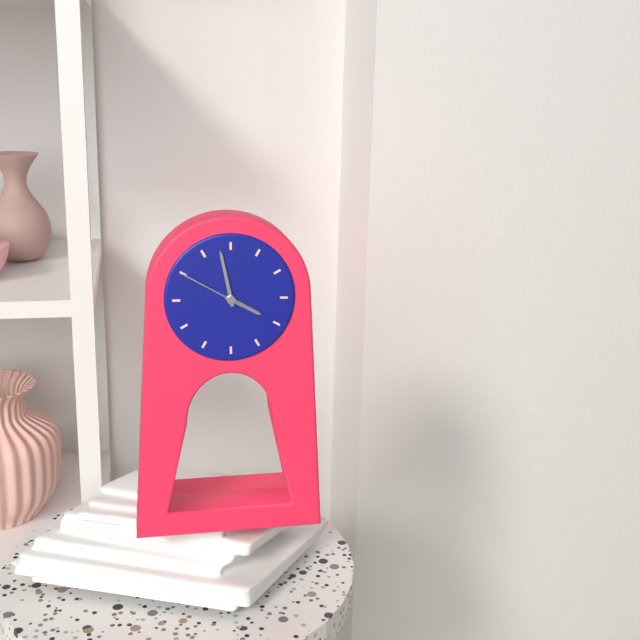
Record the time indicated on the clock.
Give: 3:58:50
